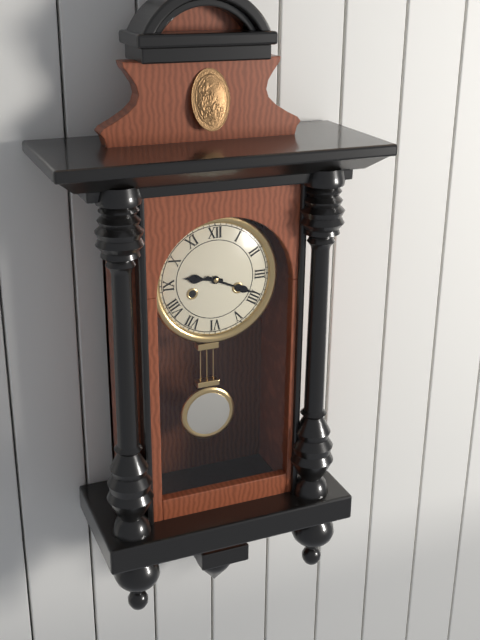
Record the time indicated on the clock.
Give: 9:19
